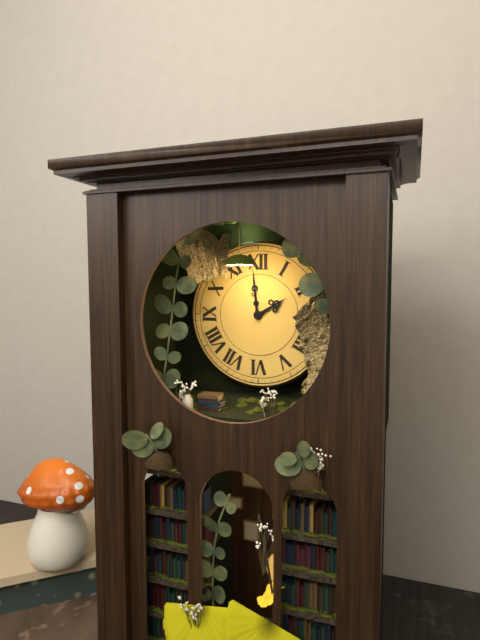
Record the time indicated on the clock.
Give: 1:59
